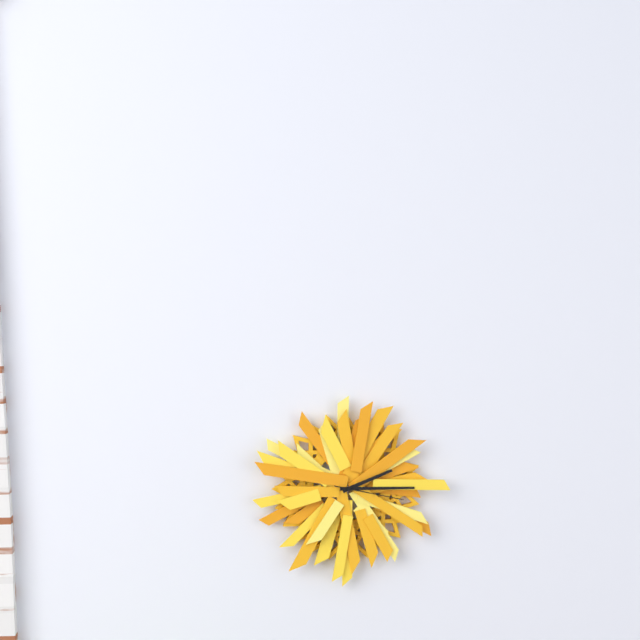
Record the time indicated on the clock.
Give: 2:15:17
